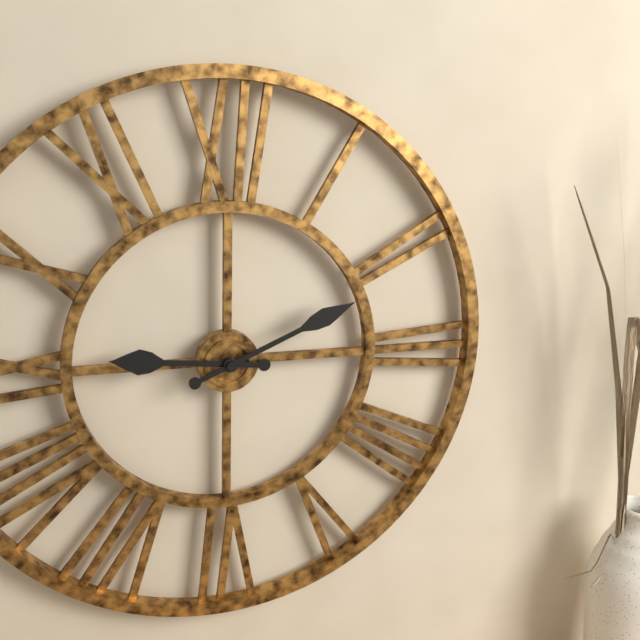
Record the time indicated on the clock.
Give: 9:11
